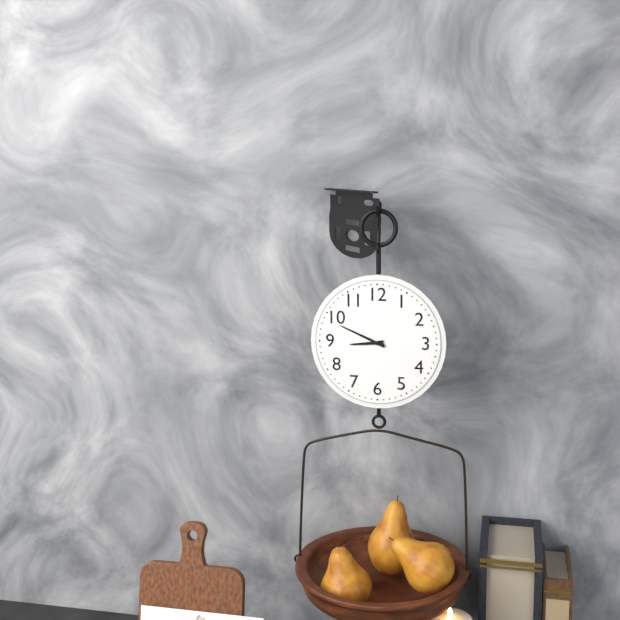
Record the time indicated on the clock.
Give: 8:49
